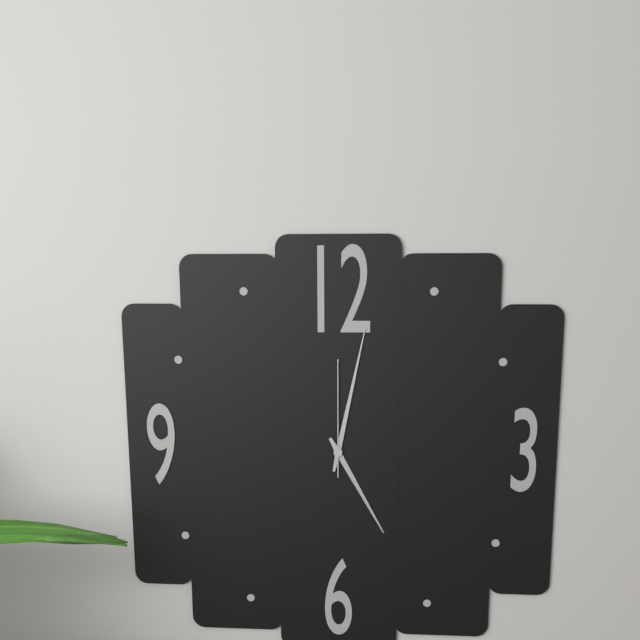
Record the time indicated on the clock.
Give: 5:02:00
